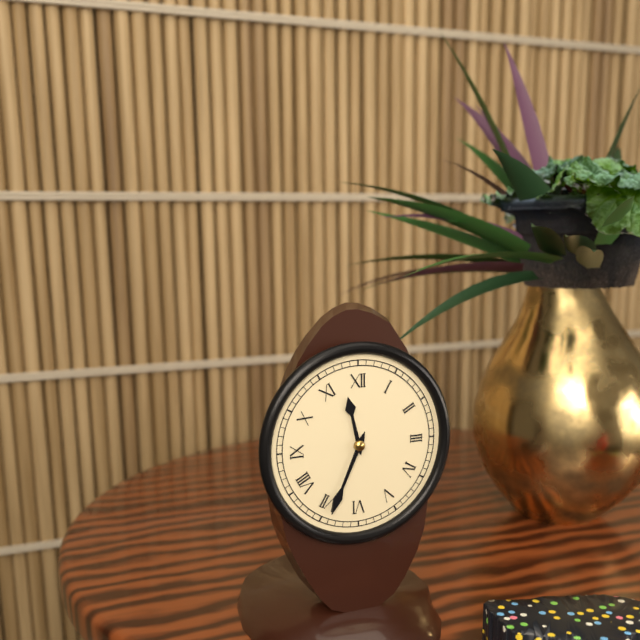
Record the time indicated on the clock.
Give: 11:34
